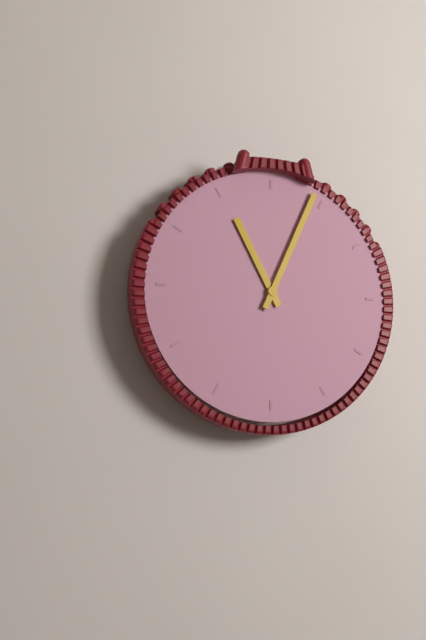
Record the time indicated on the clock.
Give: 11:04
